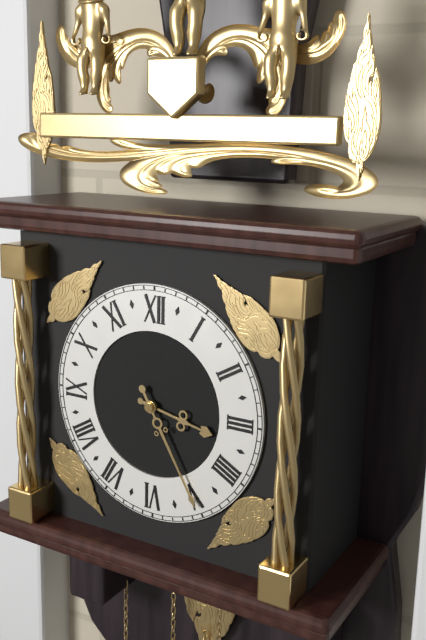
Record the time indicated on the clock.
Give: 3:25
